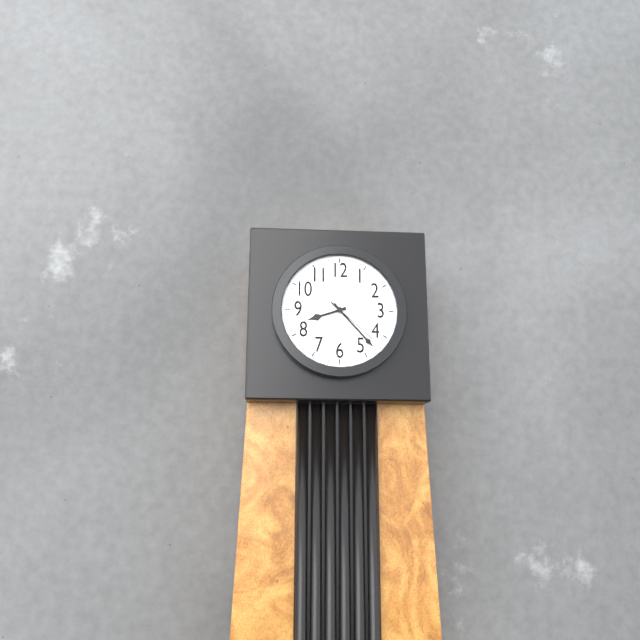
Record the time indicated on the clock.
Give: 8:23:22
